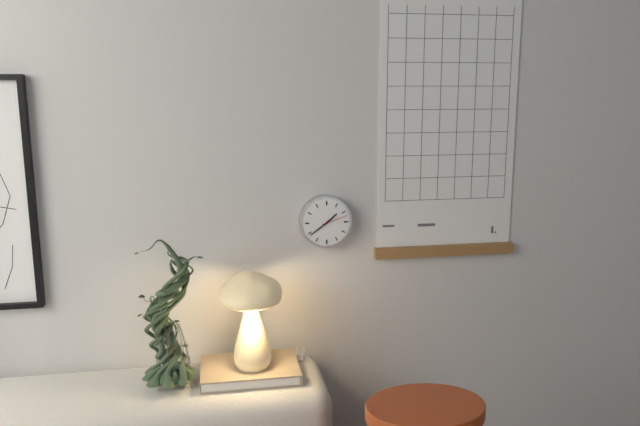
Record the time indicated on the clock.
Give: 1:39
